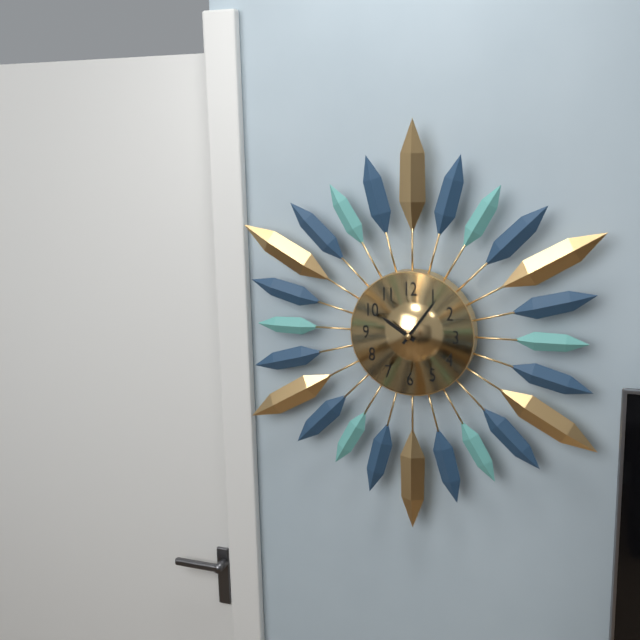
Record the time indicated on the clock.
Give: 10:06
